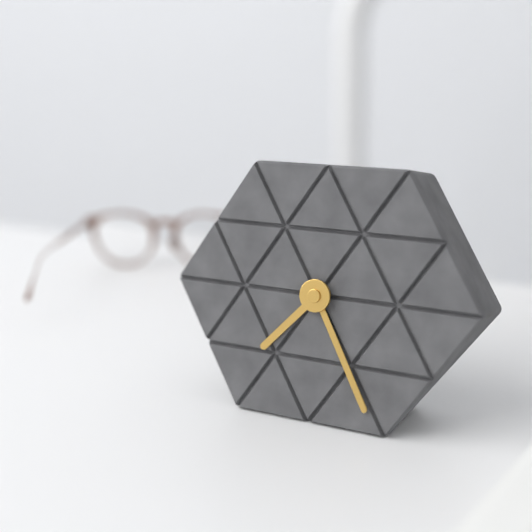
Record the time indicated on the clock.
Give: 7:25
